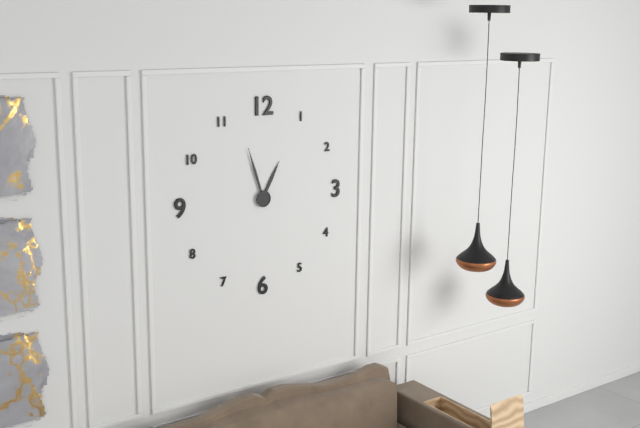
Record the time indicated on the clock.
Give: 12:57
